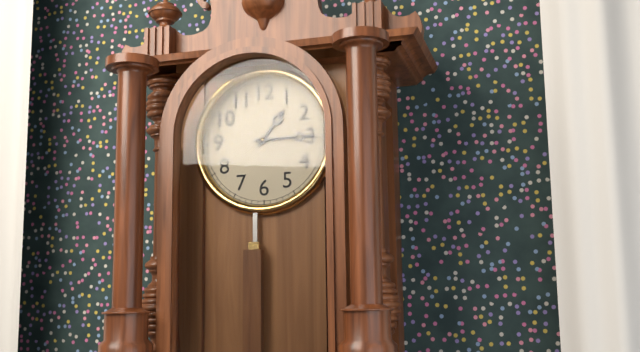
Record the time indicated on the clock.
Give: 1:15
